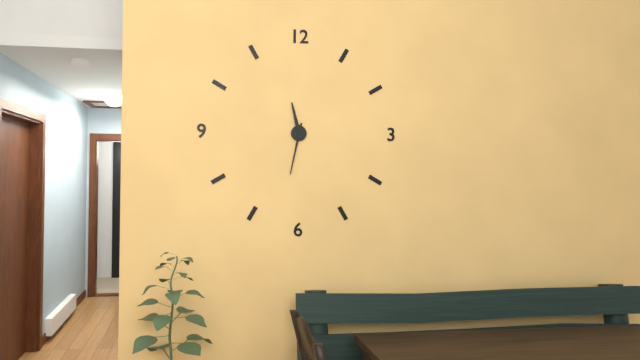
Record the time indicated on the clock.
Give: 11:32
